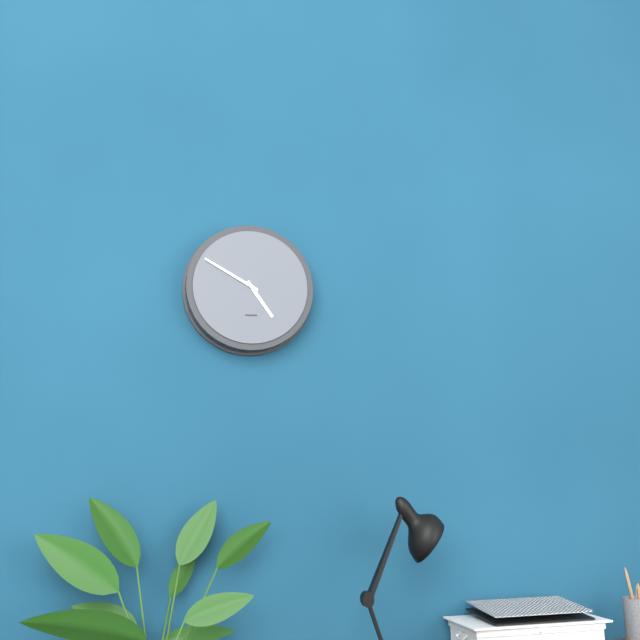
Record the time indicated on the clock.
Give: 4:50
